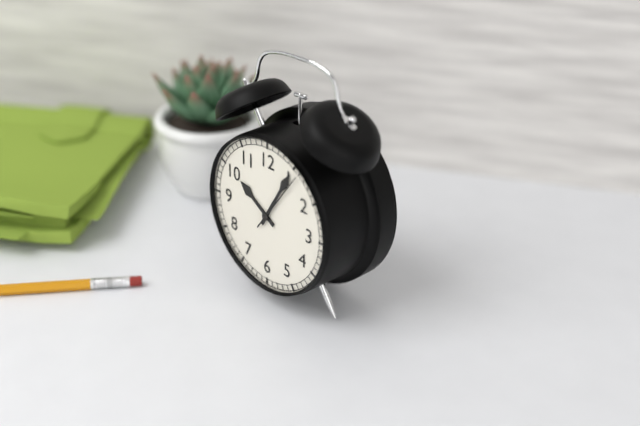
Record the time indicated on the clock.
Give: 10:05:06
